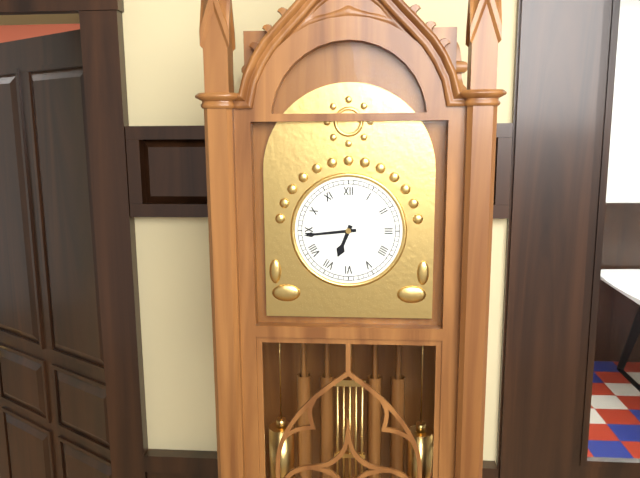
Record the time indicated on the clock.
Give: 6:44
